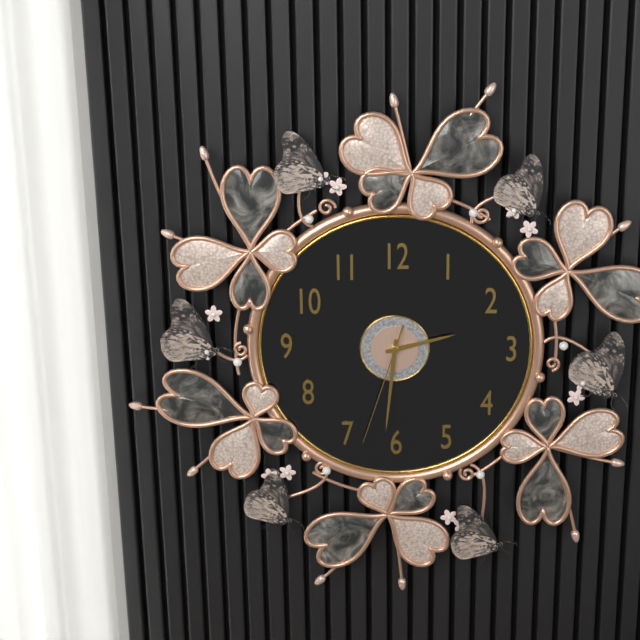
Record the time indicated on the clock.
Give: 2:31:33
